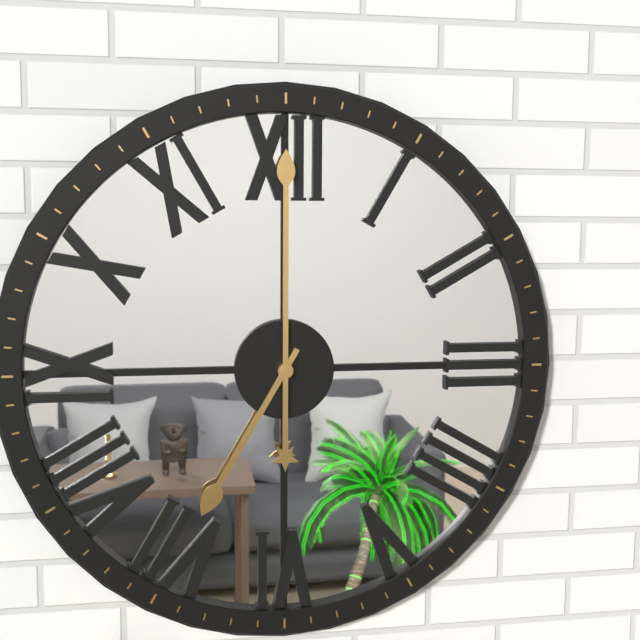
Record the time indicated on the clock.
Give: 7:00
